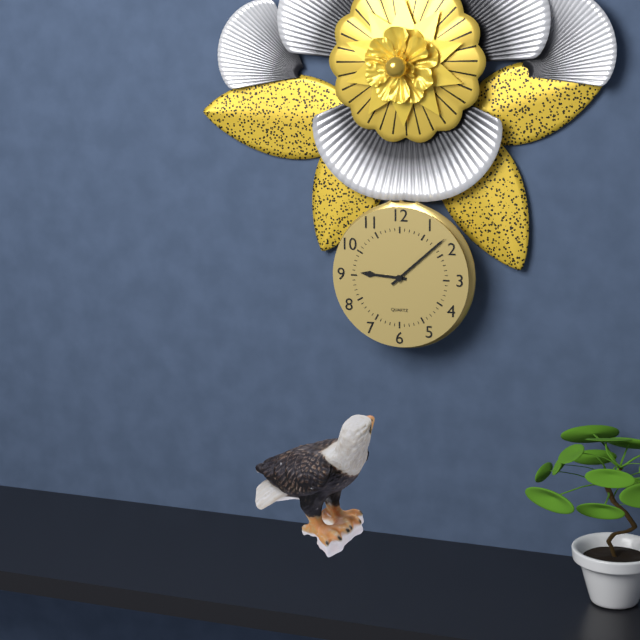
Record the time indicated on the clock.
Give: 9:08
